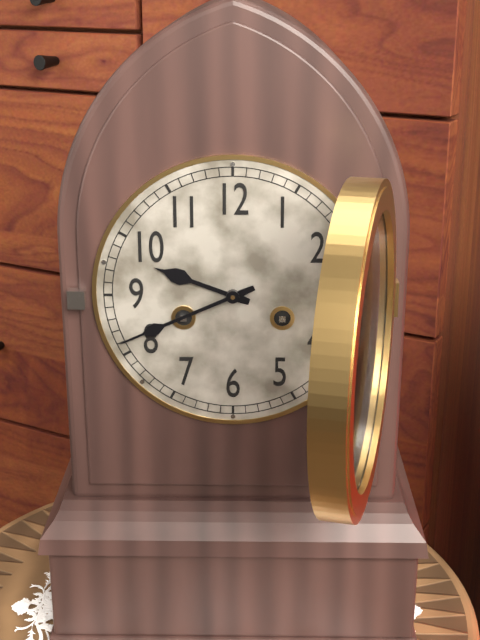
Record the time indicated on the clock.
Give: 9:41
